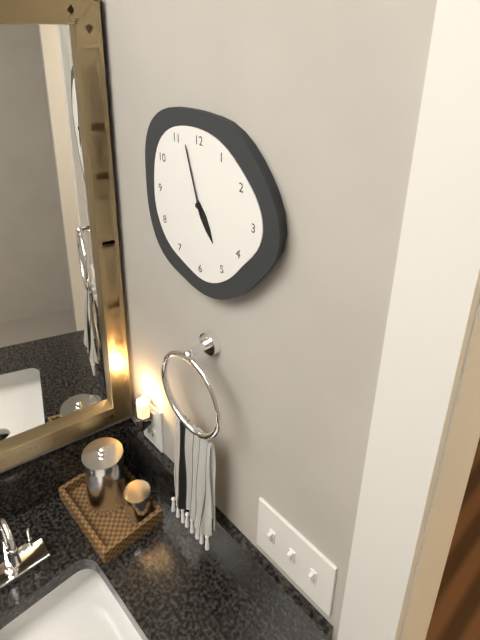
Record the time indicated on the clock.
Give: 4:57
